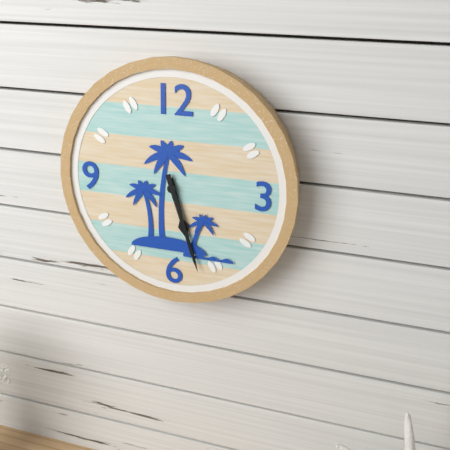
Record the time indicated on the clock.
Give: 5:27
